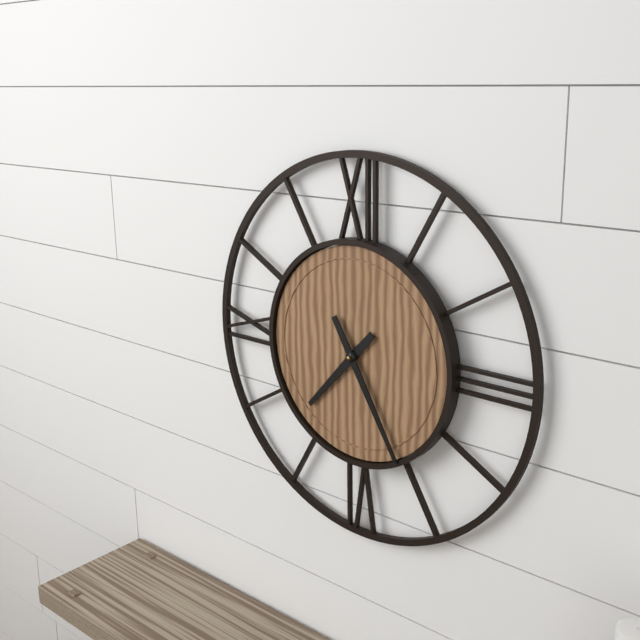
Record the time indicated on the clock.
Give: 7:25
